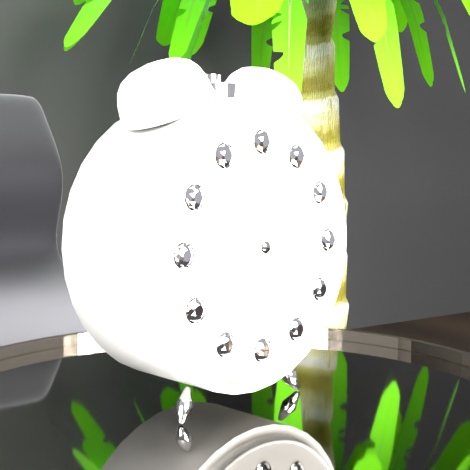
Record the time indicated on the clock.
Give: 3:45:53
